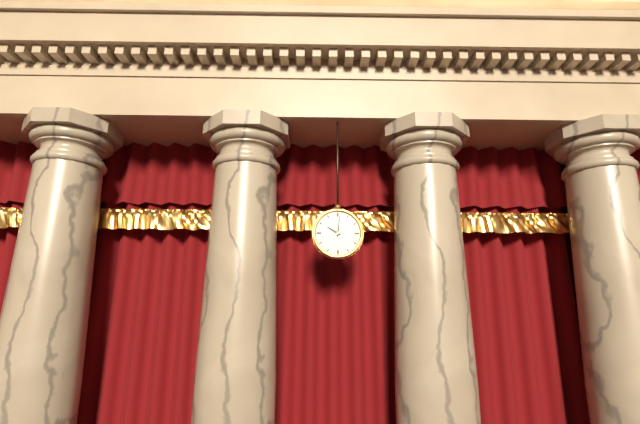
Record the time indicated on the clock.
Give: 10:01
